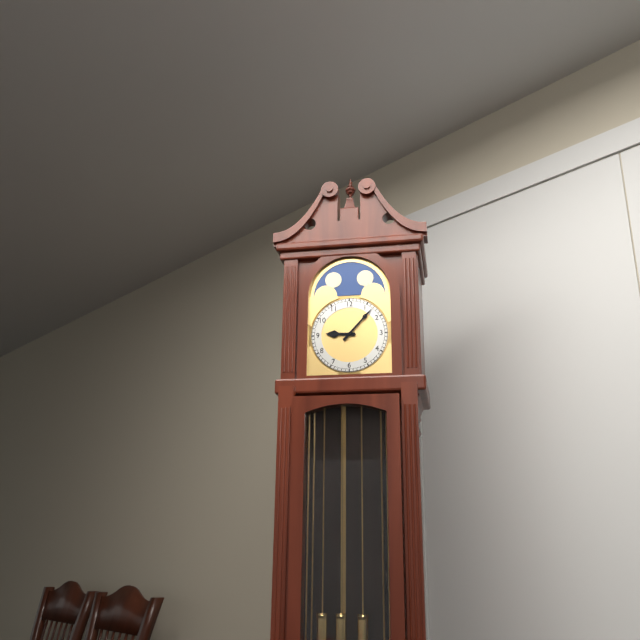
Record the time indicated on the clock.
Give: 9:07
